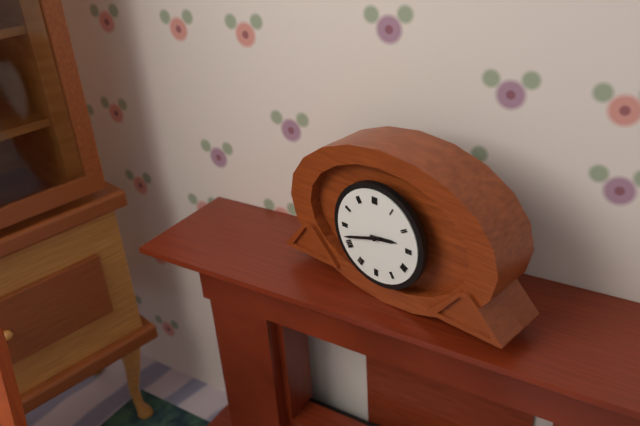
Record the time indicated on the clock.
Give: 2:42
